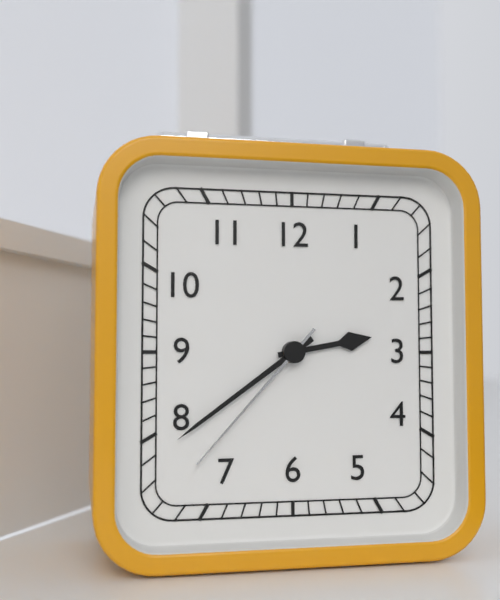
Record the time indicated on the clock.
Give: 2:39:37
